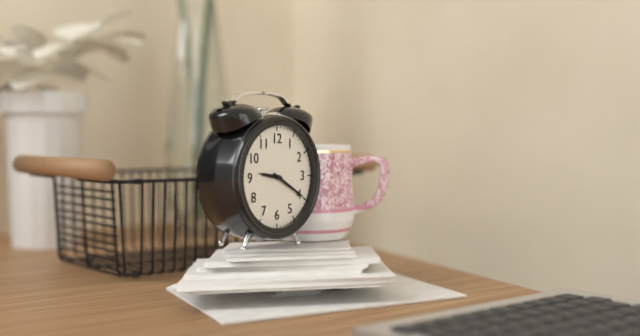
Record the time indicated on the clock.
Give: 9:20
